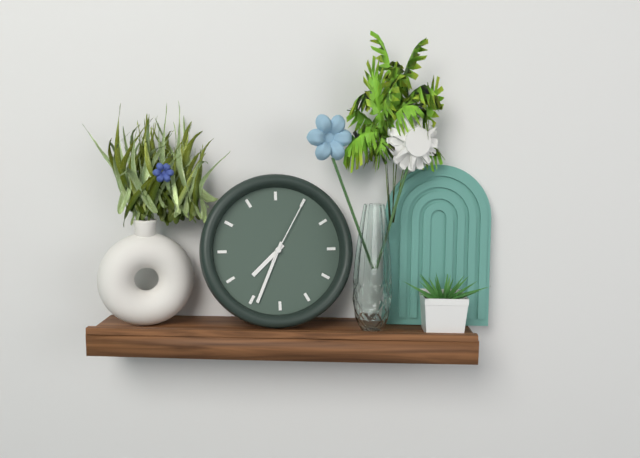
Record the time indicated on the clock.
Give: 7:34:05
